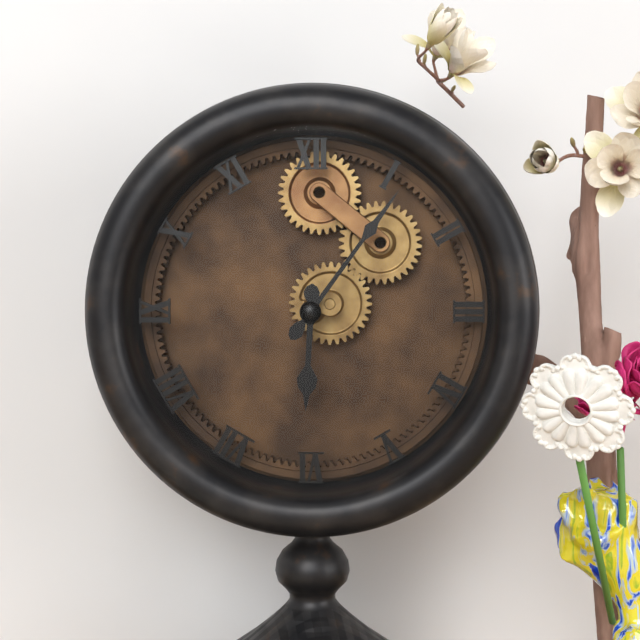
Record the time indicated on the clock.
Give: 6:06
